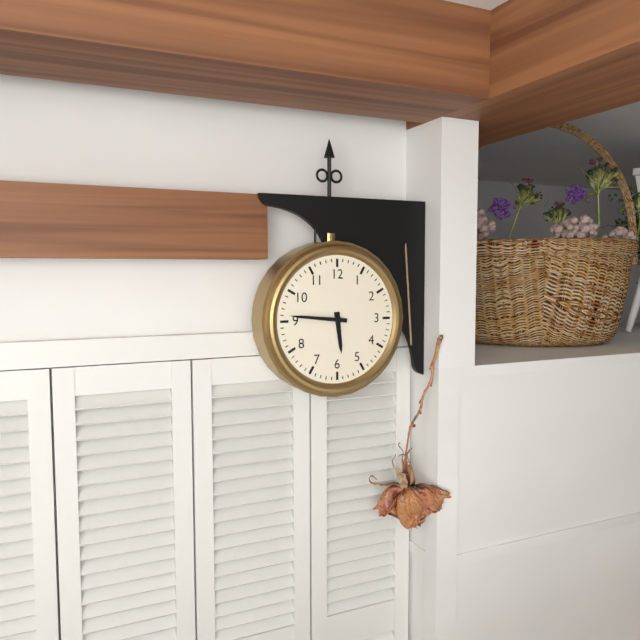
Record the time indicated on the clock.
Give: 5:46
